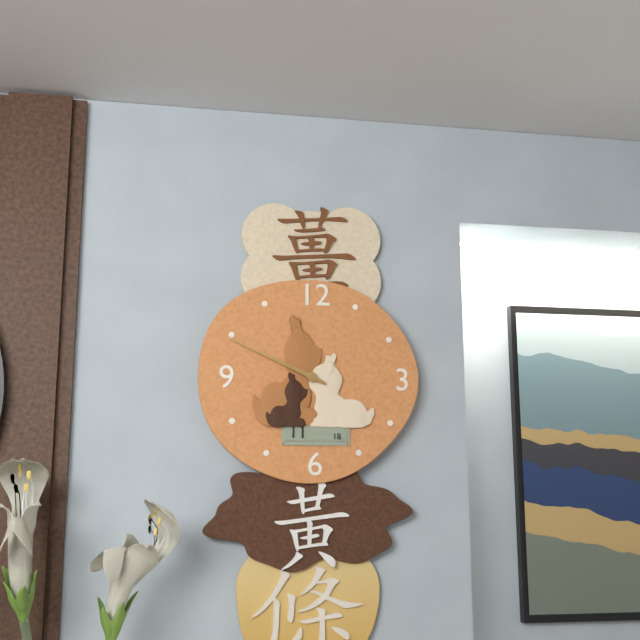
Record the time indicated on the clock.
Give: 9:49
